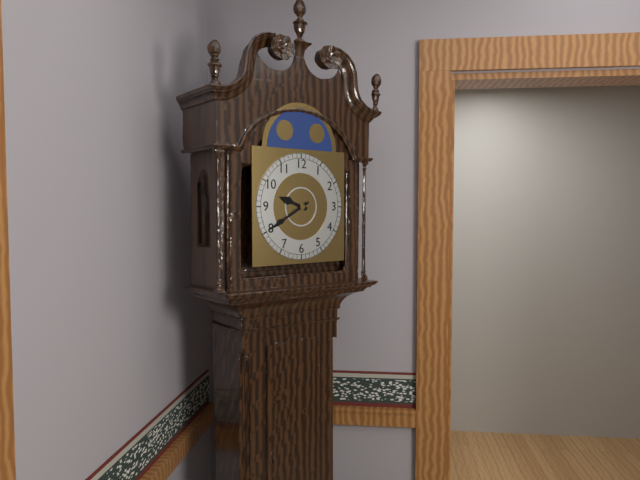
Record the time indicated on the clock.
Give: 9:40
